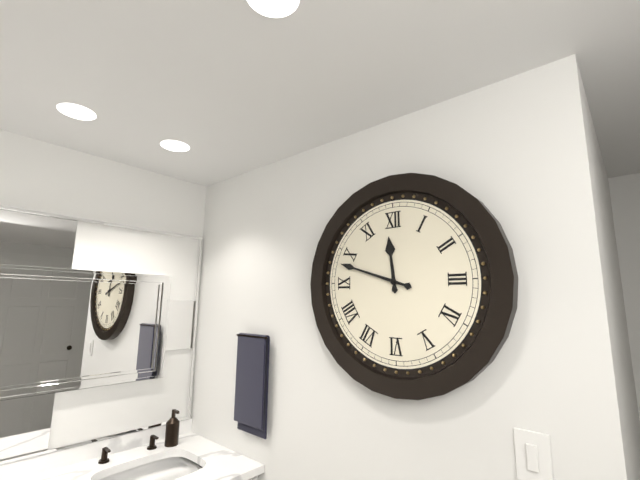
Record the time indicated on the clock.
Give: 11:48
